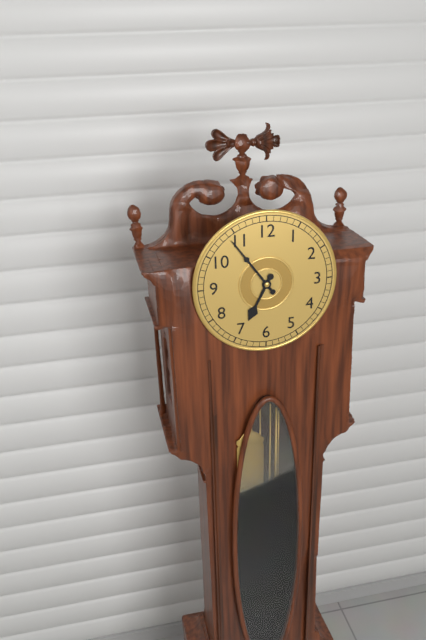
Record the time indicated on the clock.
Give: 6:54
